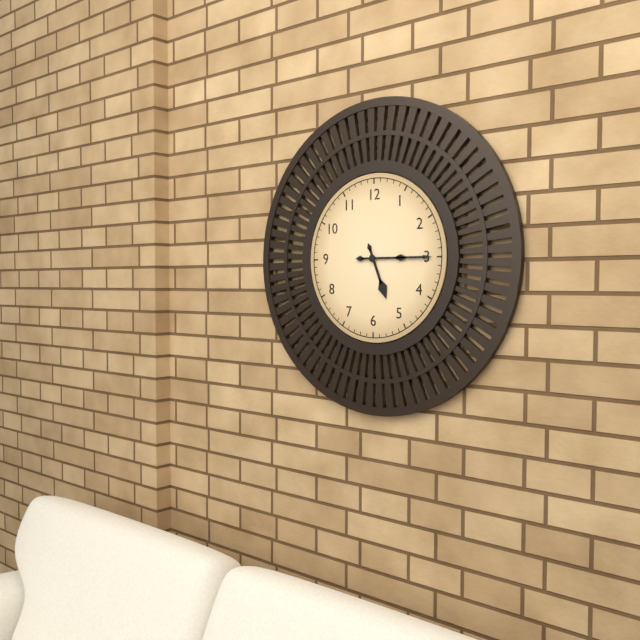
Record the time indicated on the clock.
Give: 5:15
